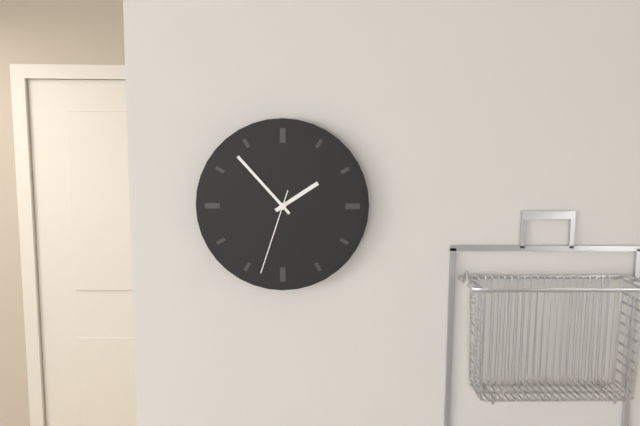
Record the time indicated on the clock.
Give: 1:53:33
